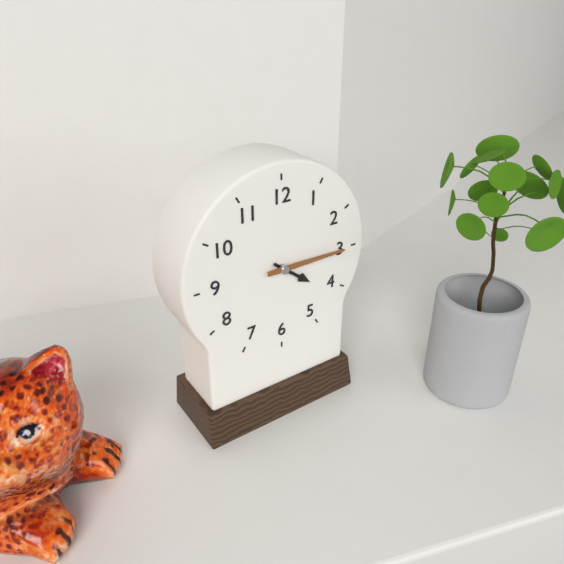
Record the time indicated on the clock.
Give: 4:15
